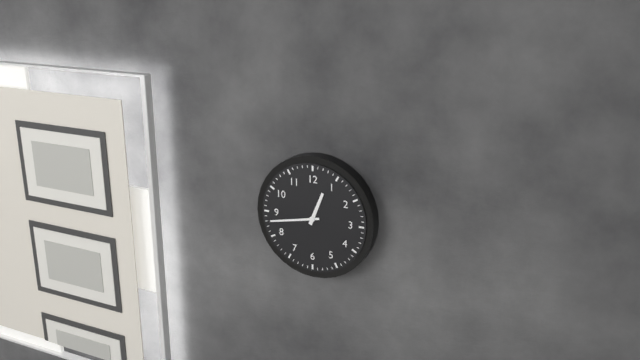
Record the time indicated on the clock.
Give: 12:43
